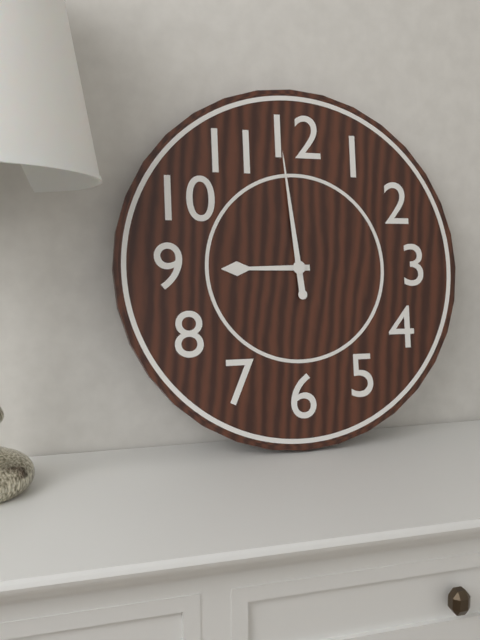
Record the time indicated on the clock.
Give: 8:59
